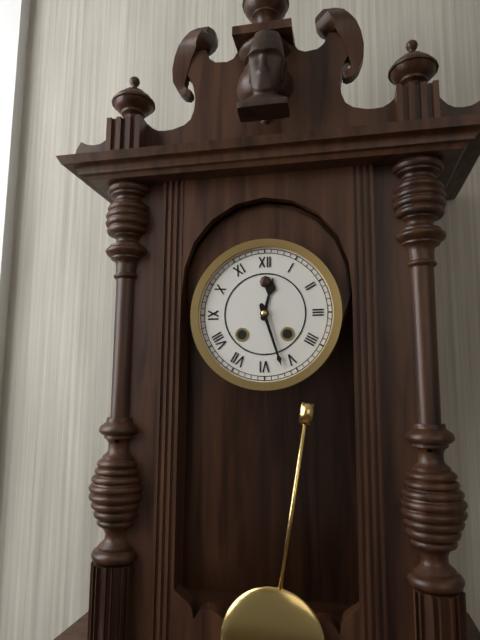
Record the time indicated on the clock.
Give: 12:27
